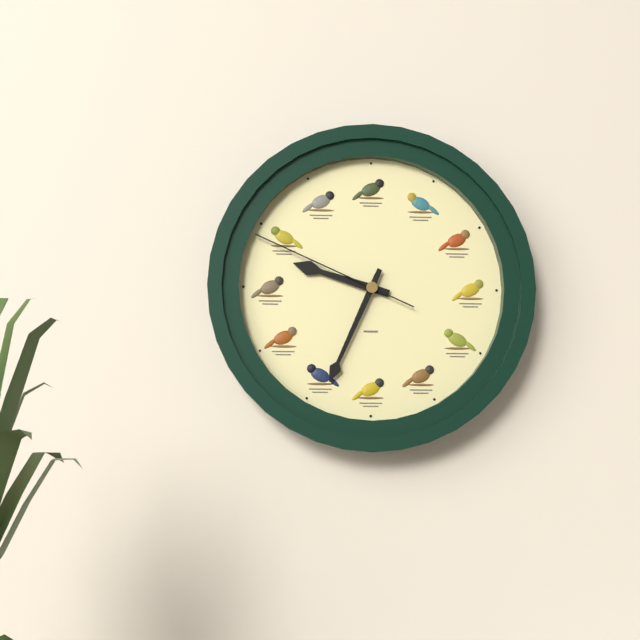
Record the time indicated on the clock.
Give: 9:34:49
